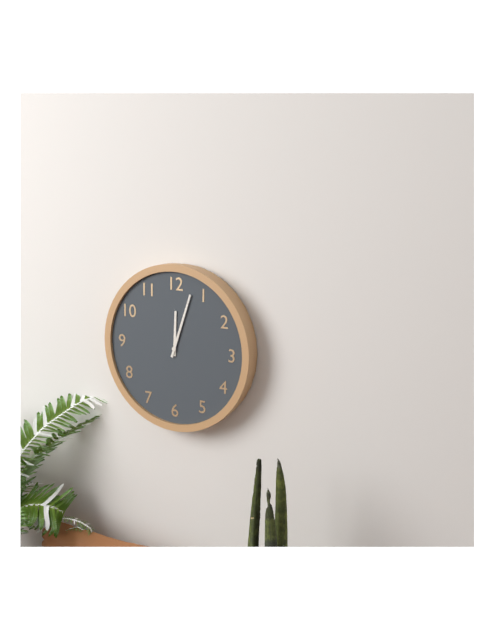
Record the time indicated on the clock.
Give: 12:03
